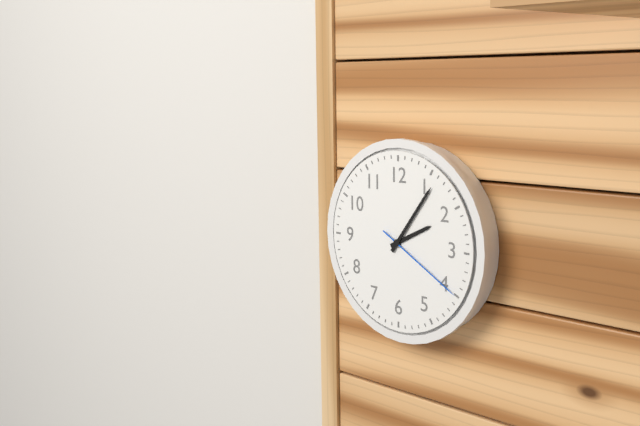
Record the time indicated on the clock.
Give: 2:06:20
